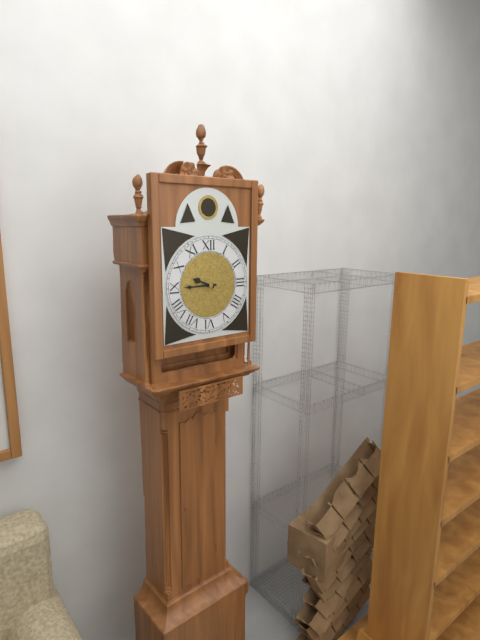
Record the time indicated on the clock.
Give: 9:45
